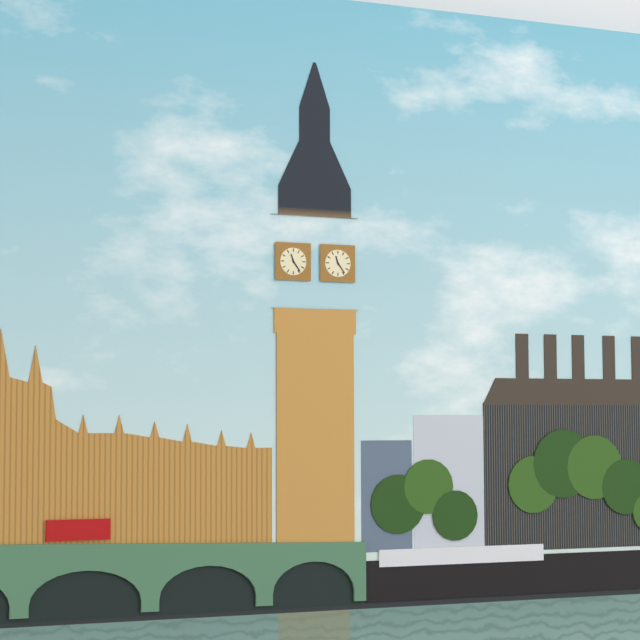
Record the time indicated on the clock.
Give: 11:24
